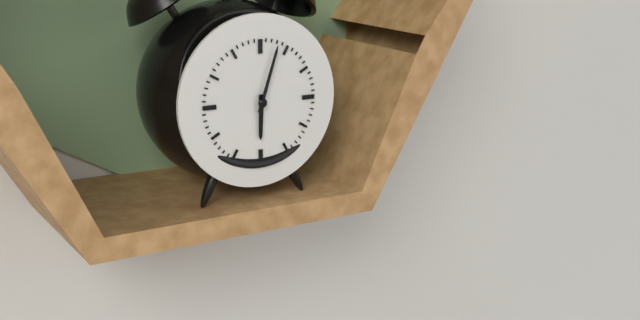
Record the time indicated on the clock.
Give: 6:03
